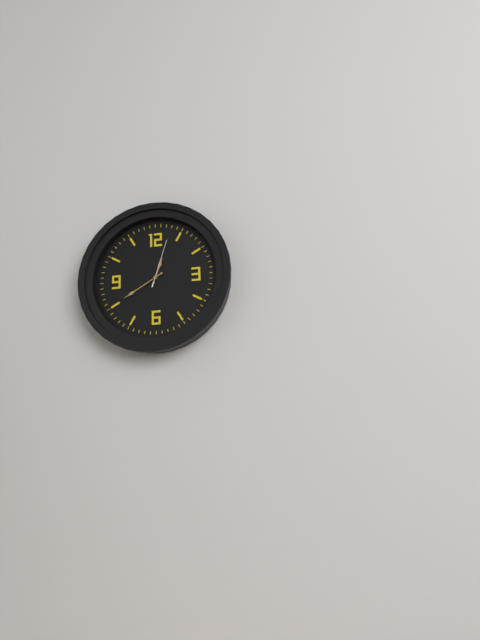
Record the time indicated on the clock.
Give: 12:40:03
